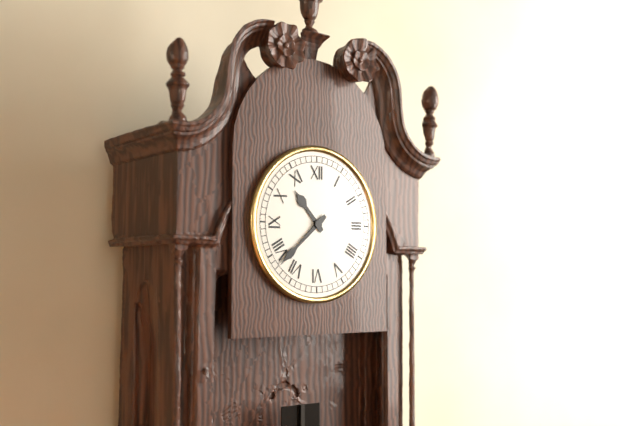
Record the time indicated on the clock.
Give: 10:38
